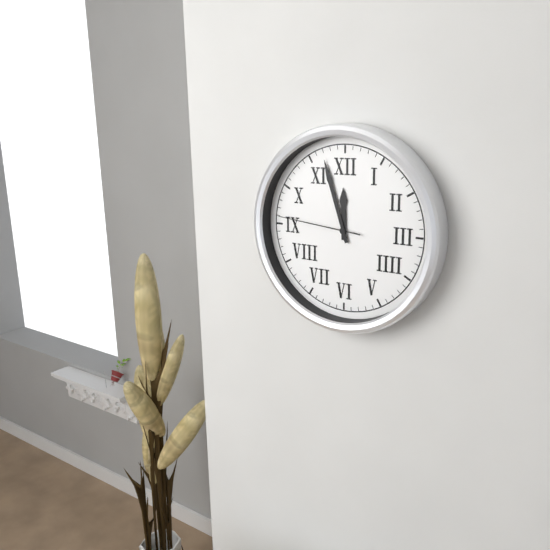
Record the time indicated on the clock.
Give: 11:57:46
